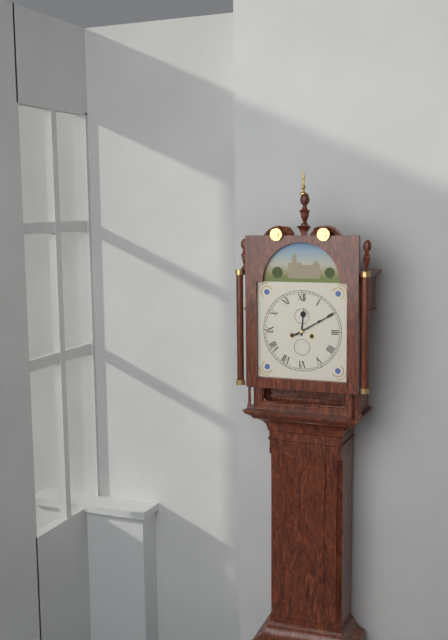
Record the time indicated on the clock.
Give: 12:10
